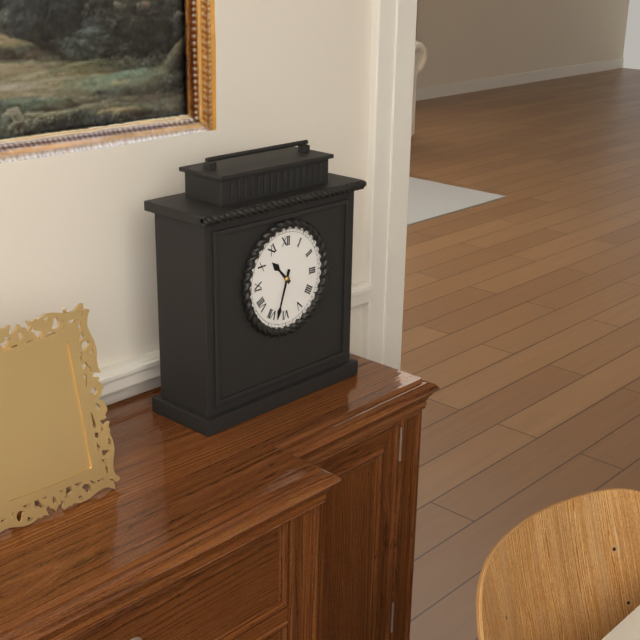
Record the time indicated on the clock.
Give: 10:33
